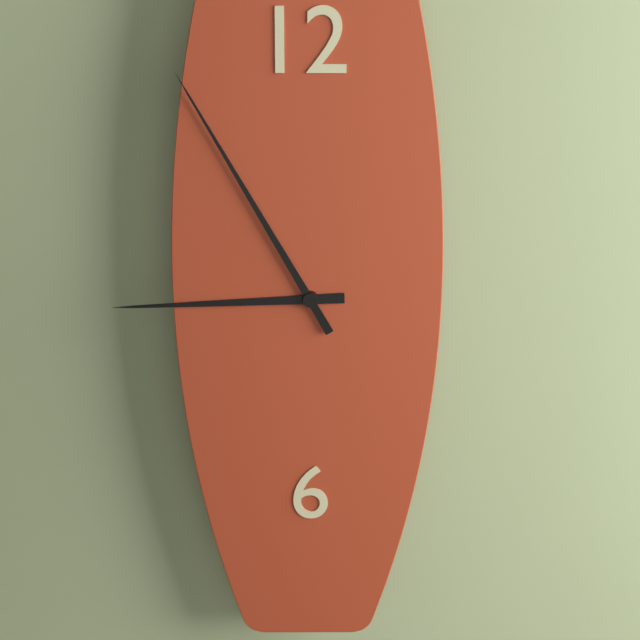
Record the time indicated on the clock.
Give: 8:55
